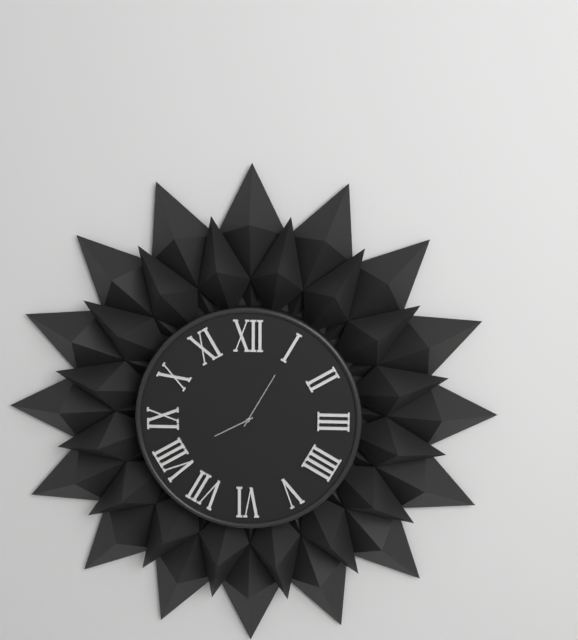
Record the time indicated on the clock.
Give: 8:05
